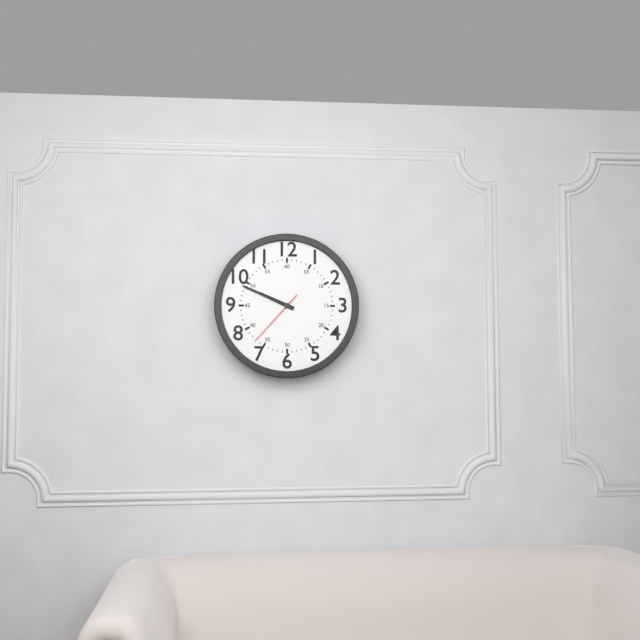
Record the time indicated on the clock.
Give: 9:49:37
